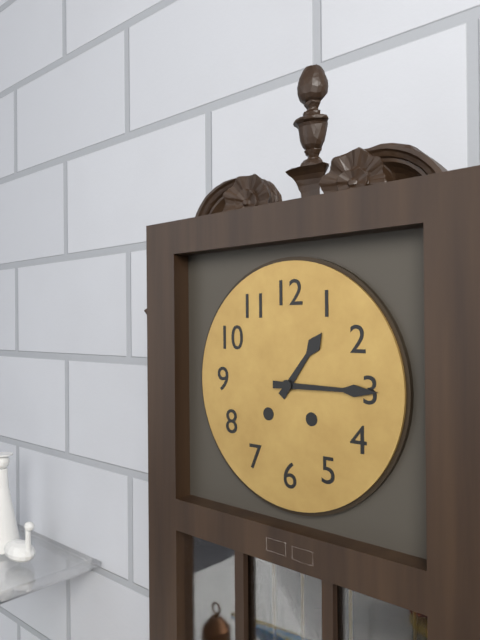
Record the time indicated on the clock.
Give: 1:15
